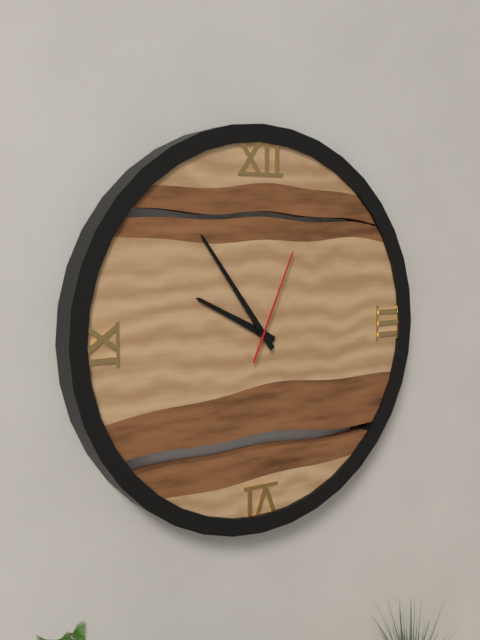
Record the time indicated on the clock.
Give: 9:54:04
